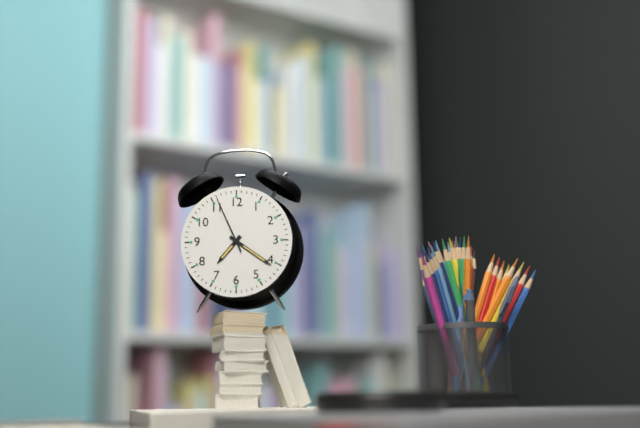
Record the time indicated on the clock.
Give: 7:21:56
